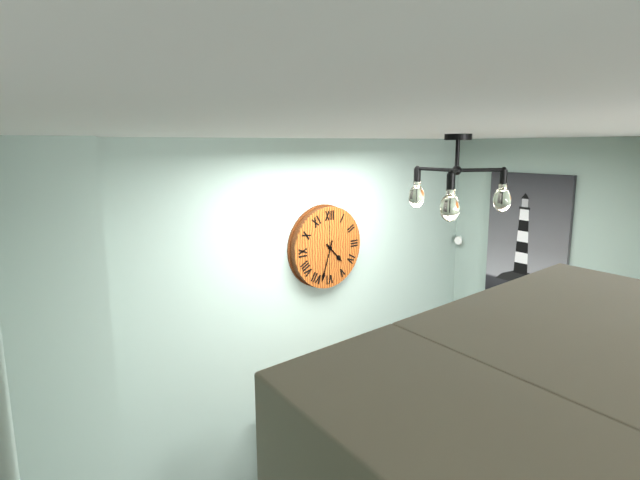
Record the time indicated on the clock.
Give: 4:33
